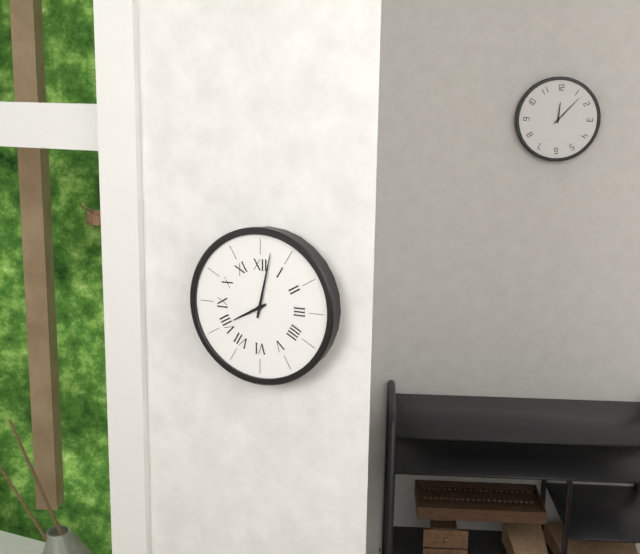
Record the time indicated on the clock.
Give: 8:02
